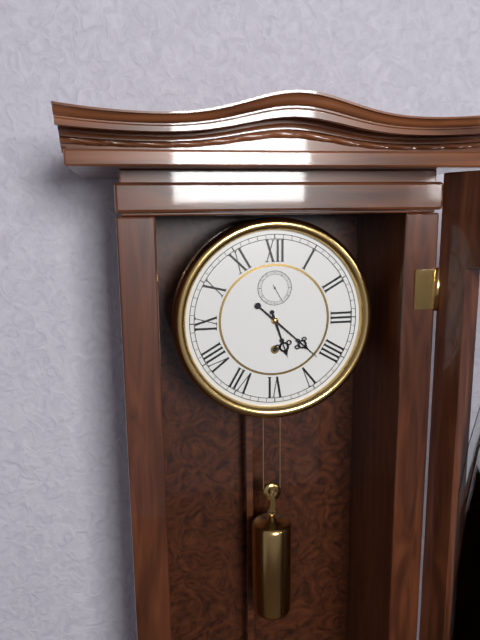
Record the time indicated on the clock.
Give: 5:22
